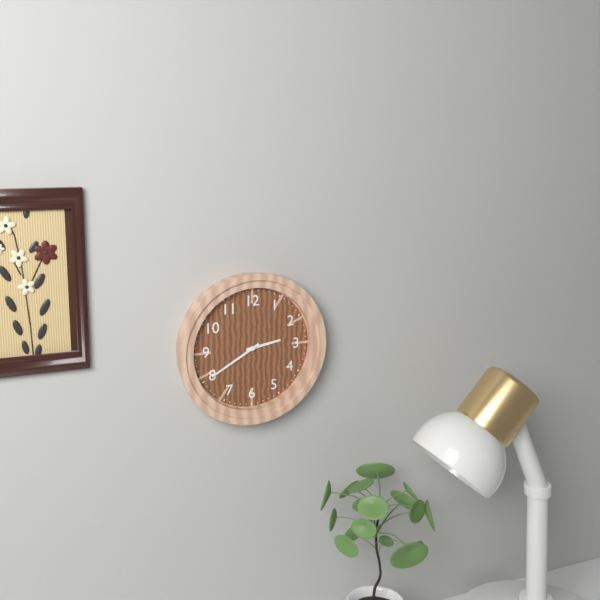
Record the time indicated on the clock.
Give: 2:40
